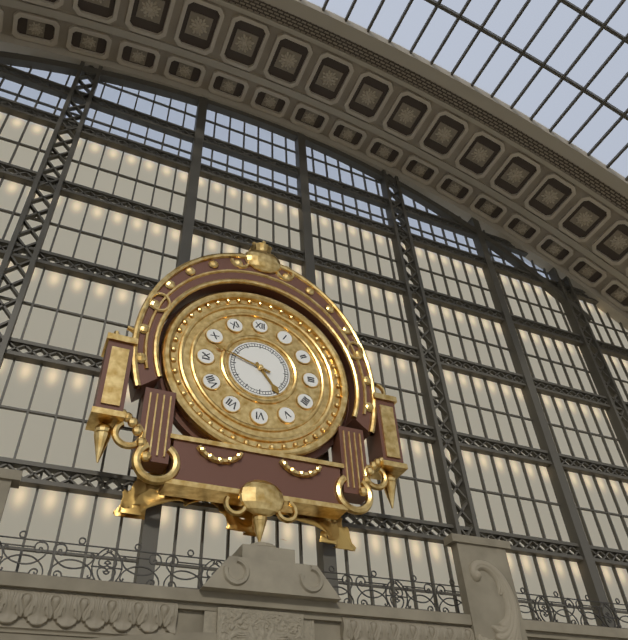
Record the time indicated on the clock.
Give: 4:48
